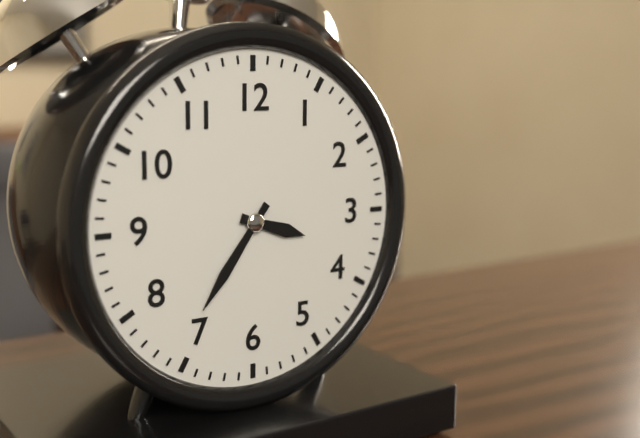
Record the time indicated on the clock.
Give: 3:36
